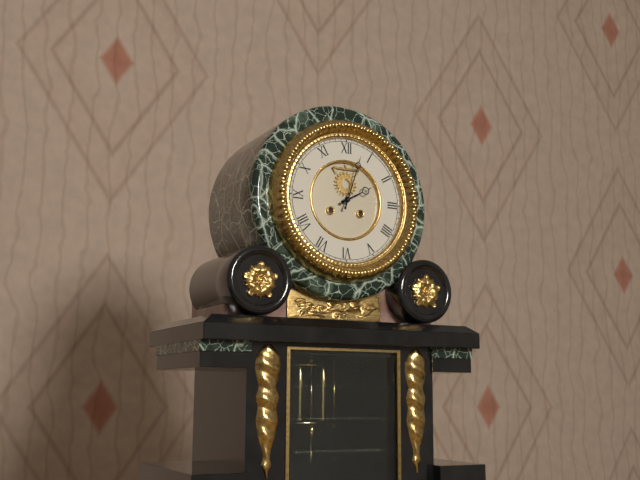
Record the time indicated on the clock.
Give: 2:03
